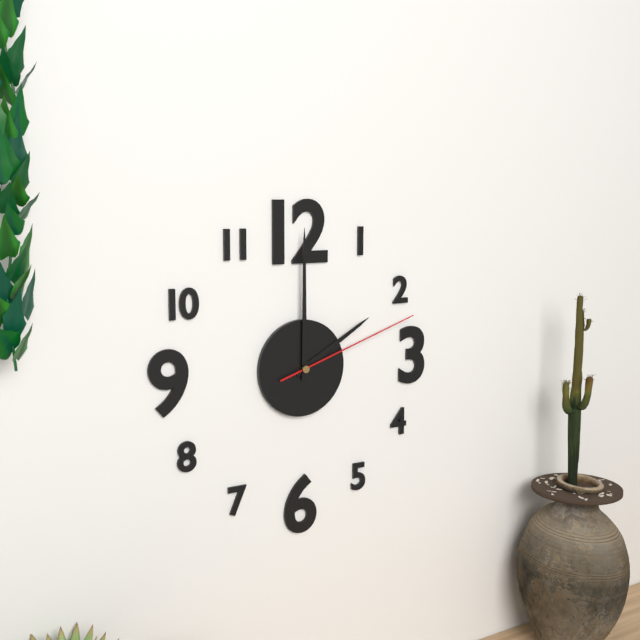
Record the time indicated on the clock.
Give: 2:00:12
